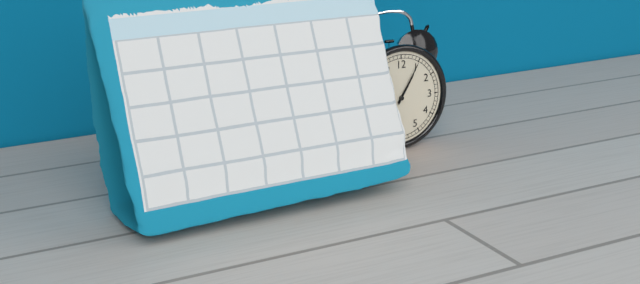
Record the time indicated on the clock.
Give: 1:05
